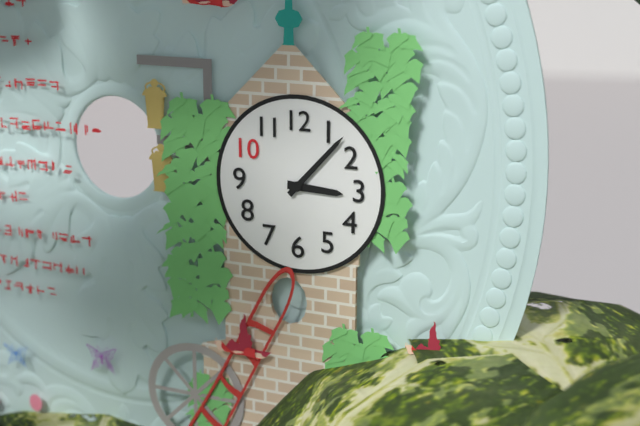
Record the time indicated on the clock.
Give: 3:07
